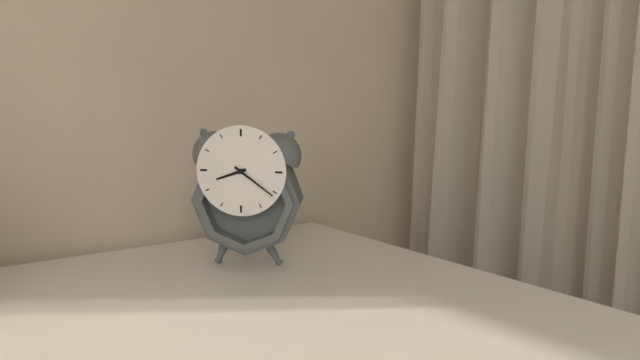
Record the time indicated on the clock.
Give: 8:21
